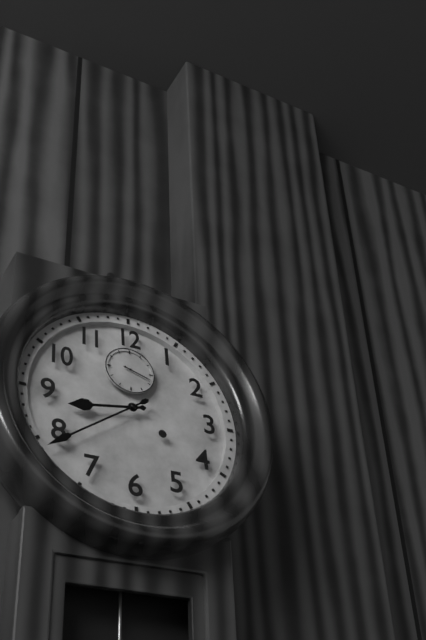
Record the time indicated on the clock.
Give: 8:39
